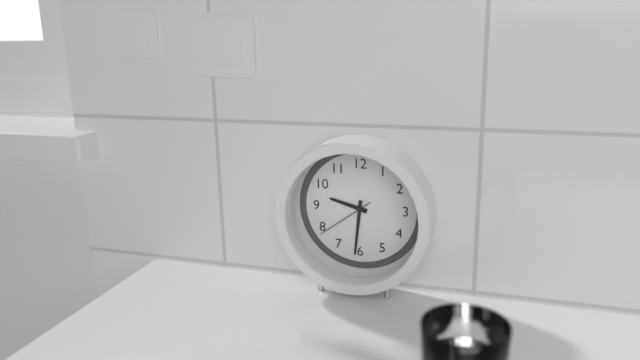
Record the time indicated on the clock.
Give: 9:31:39
